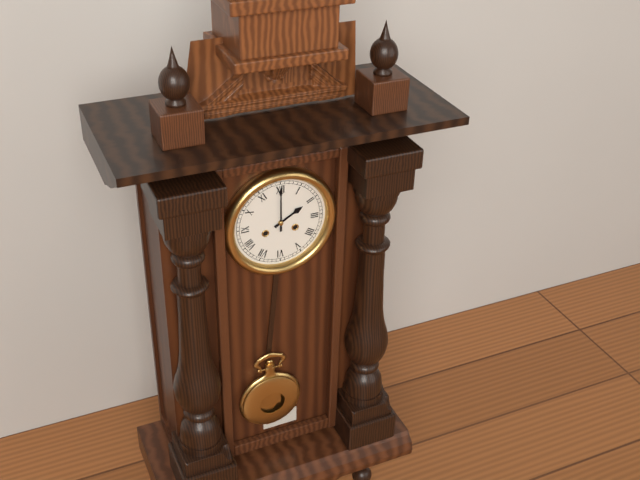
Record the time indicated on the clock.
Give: 2:00
